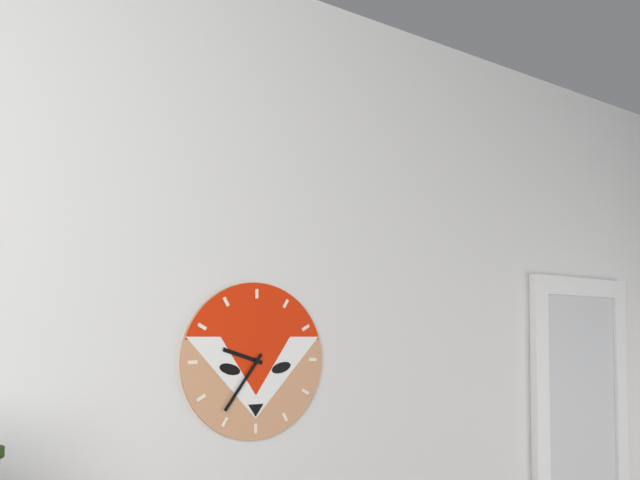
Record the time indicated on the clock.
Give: 9:36
